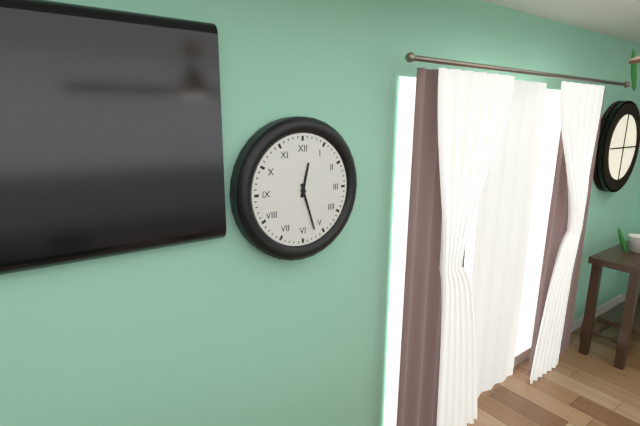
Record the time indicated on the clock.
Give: 12:27
